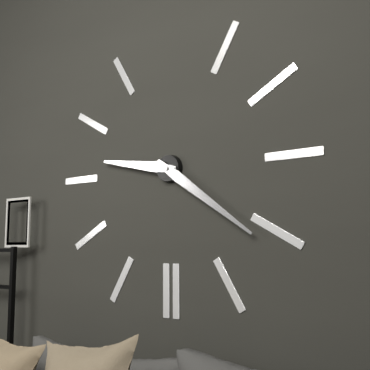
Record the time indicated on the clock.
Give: 9:21
